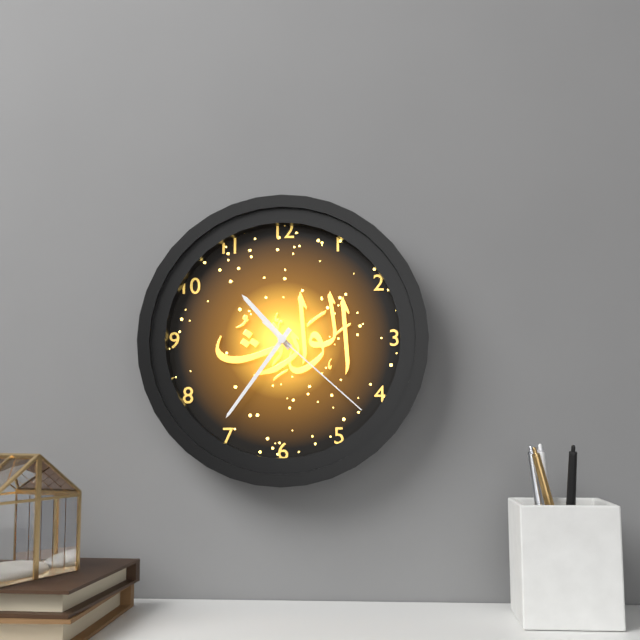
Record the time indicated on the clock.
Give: 10:36:22
